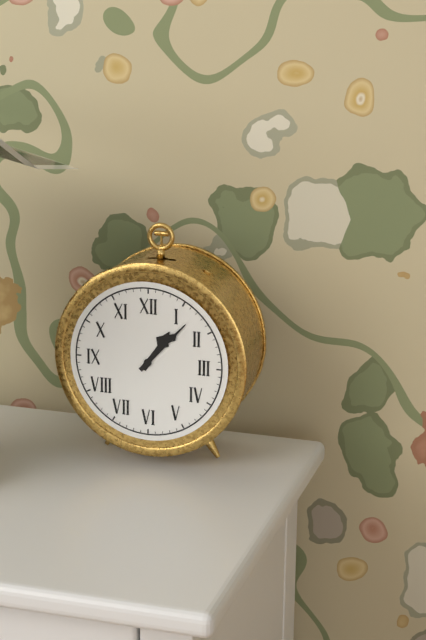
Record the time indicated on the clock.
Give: 1:07
